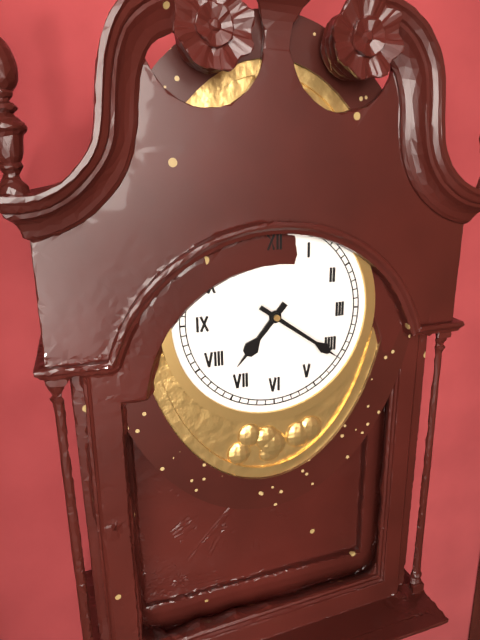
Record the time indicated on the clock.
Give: 7:21
